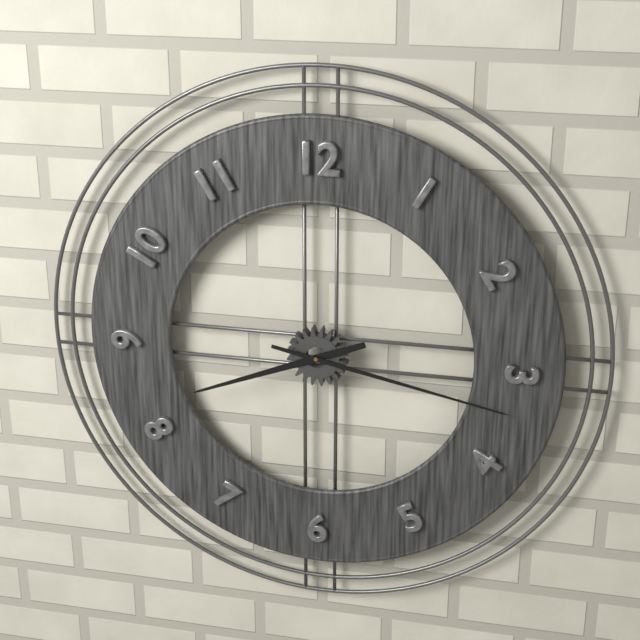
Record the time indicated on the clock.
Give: 8:17
